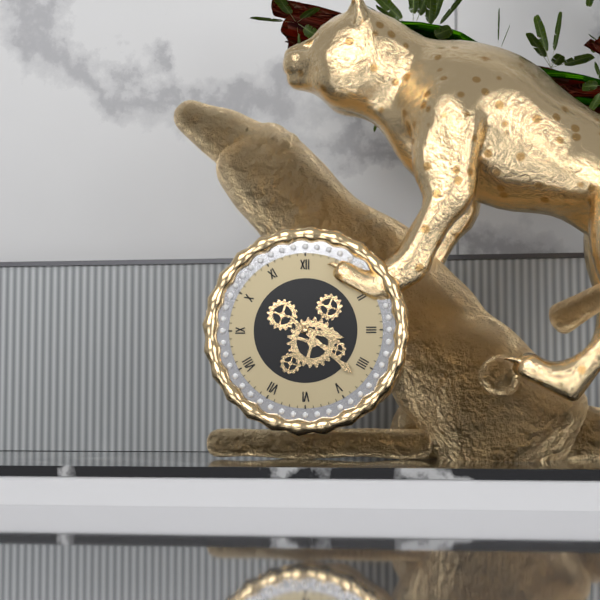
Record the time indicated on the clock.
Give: 3:22
